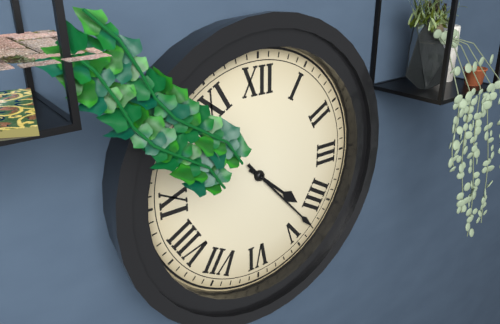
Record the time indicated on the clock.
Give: 4:23
